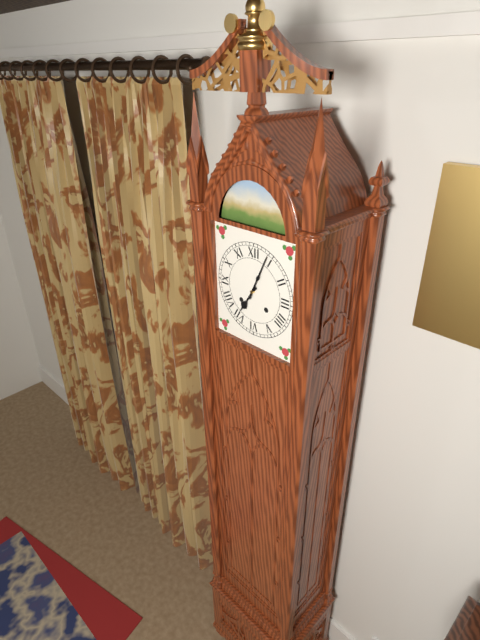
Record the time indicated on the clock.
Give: 7:04
